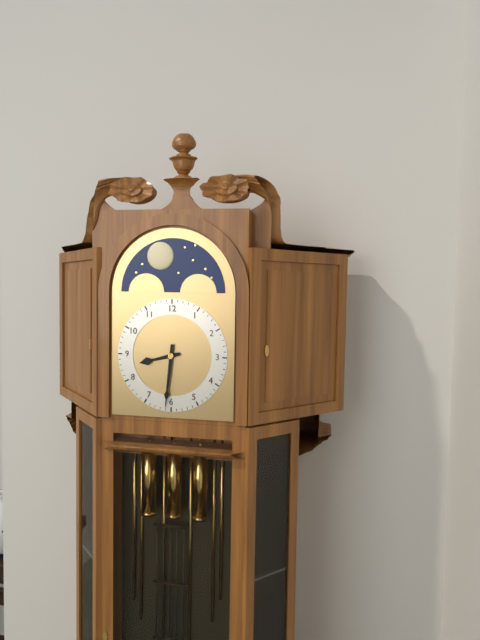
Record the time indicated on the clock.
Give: 8:31
